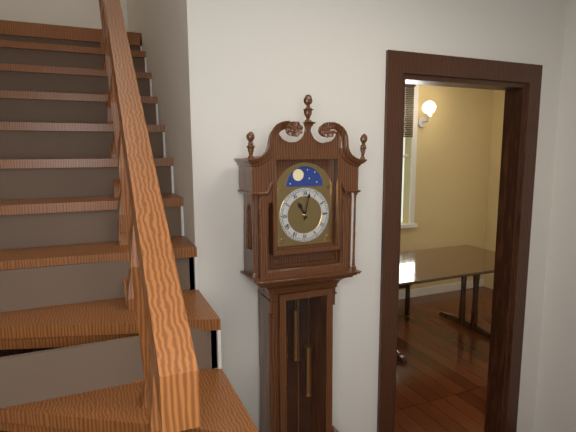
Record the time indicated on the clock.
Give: 11:02
